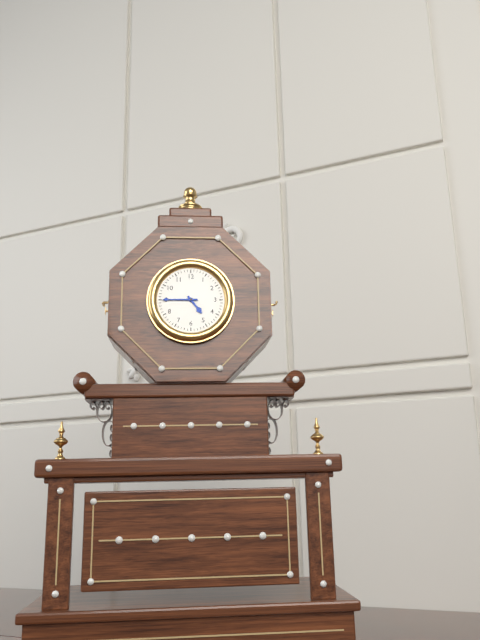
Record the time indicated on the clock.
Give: 4:45
